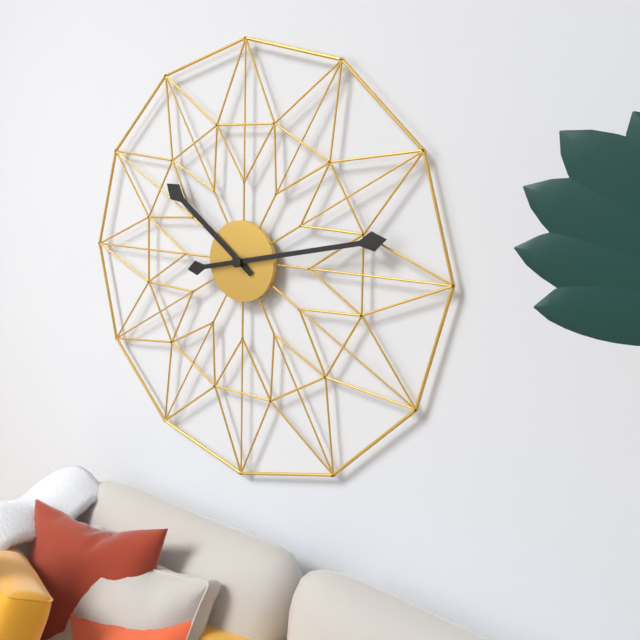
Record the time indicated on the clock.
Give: 10:13
